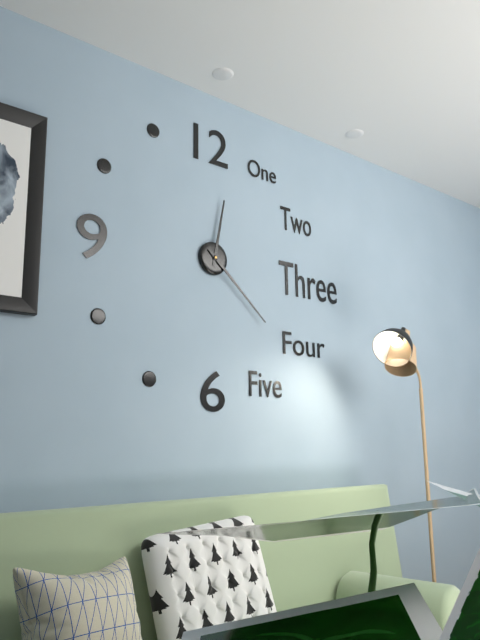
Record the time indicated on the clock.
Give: 12:22
